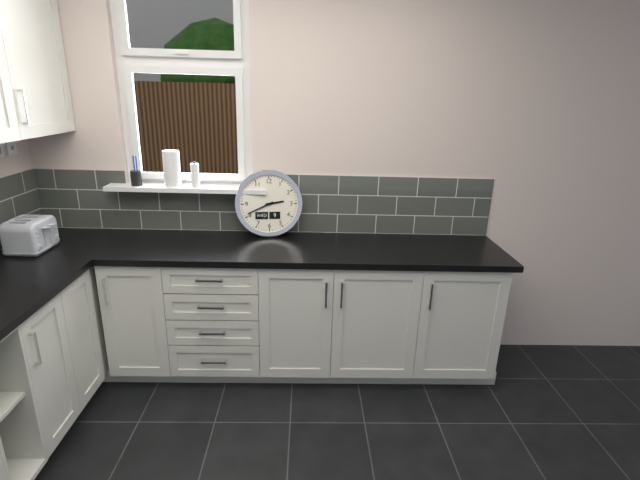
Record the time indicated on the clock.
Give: 2:41
